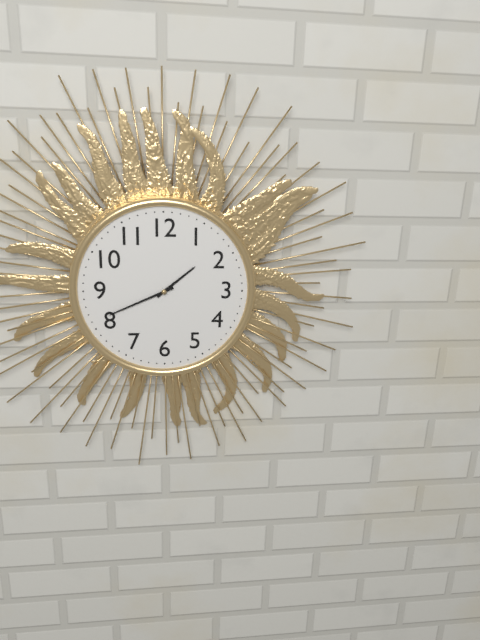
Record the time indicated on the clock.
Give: 1:41
